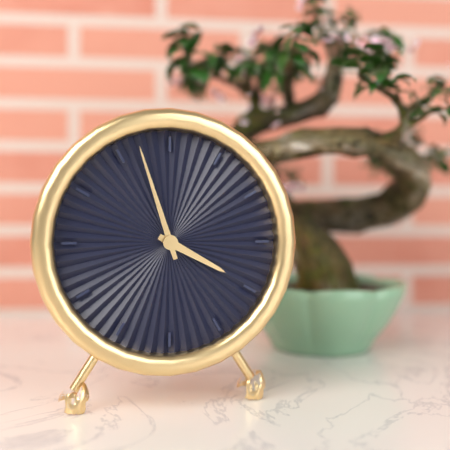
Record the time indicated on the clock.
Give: 3:57
